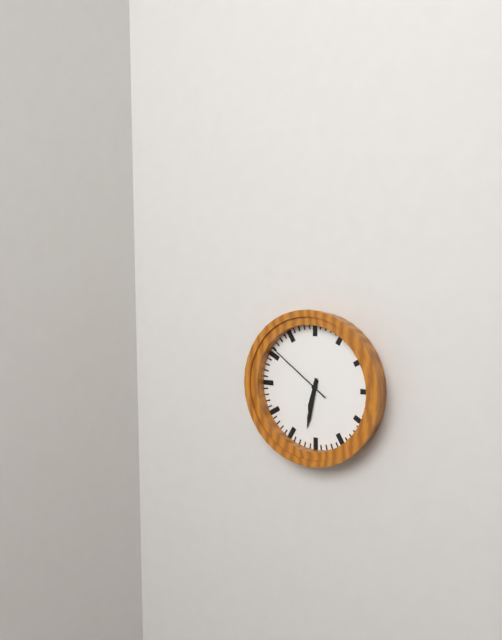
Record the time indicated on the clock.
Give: 6:32:51
